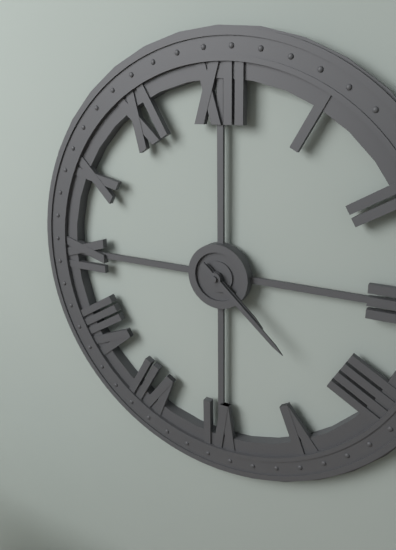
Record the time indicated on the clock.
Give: 4:22
